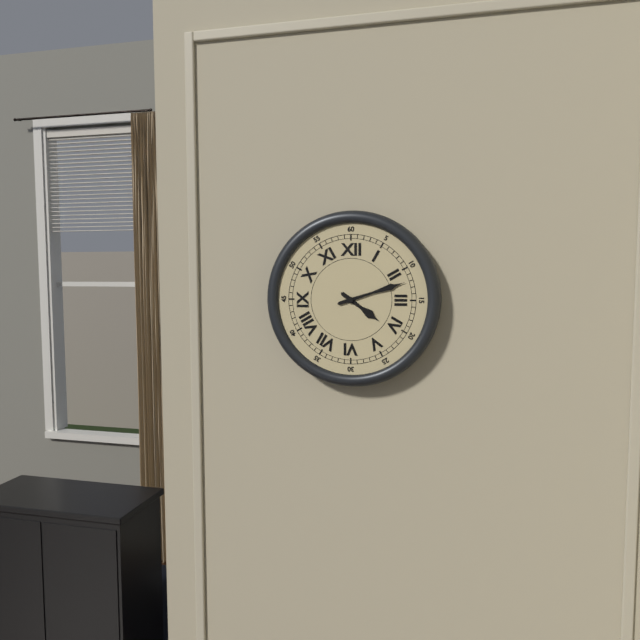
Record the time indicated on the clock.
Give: 4:12
